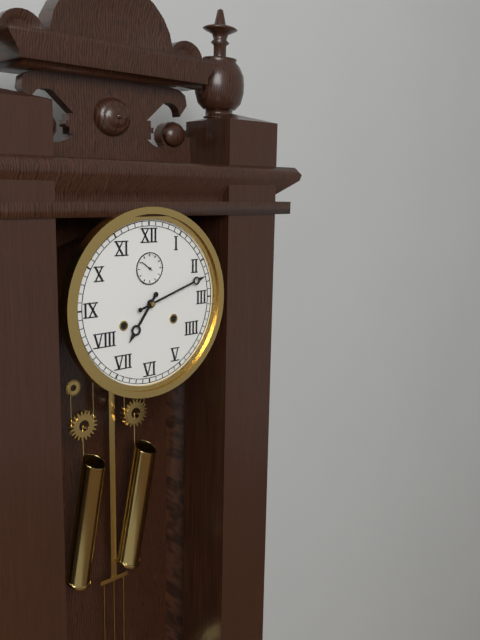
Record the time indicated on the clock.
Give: 7:12
